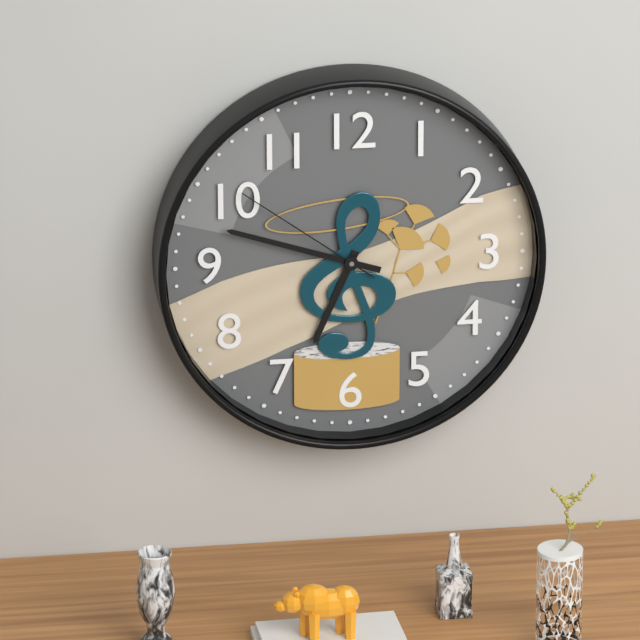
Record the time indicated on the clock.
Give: 6:48:51
